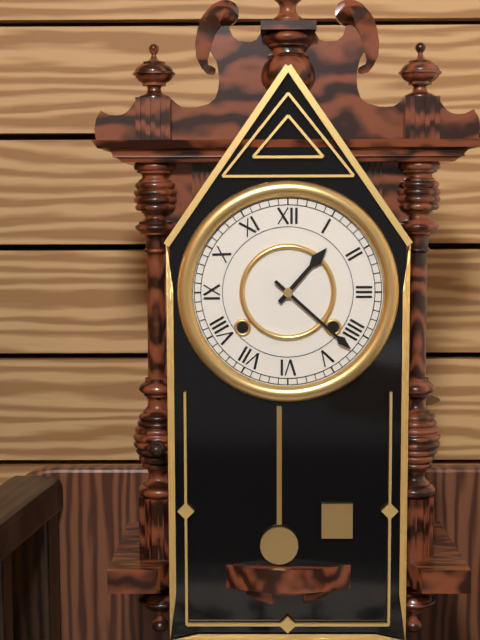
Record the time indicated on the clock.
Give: 1:22
